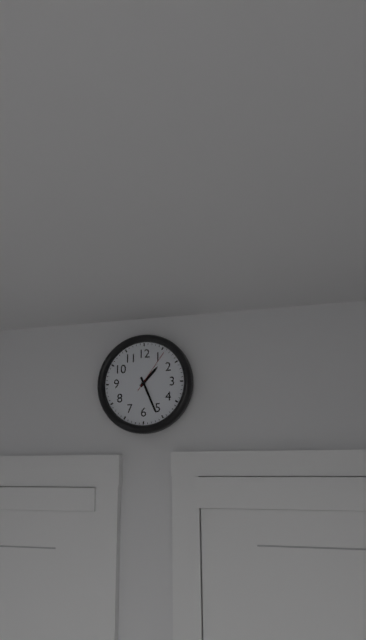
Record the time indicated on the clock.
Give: 1:26
